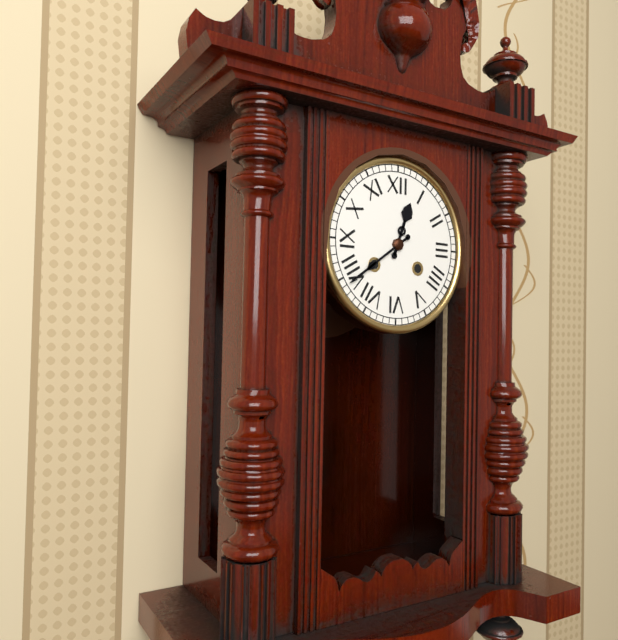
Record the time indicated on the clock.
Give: 12:39
